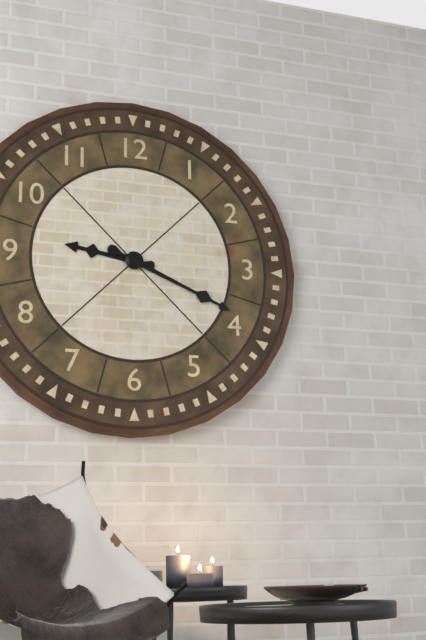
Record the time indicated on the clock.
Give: 9:19
